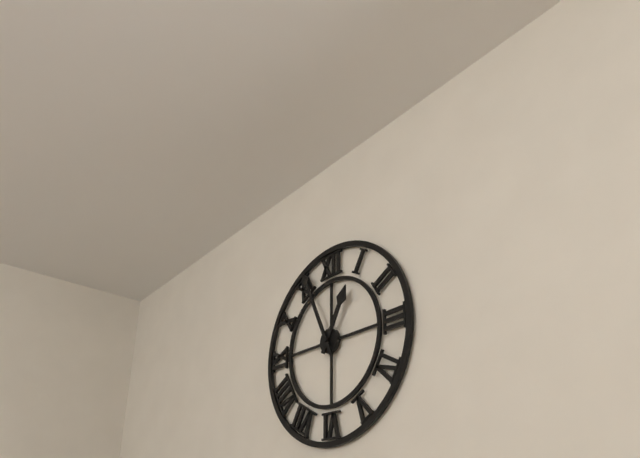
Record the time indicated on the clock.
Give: 12:56
